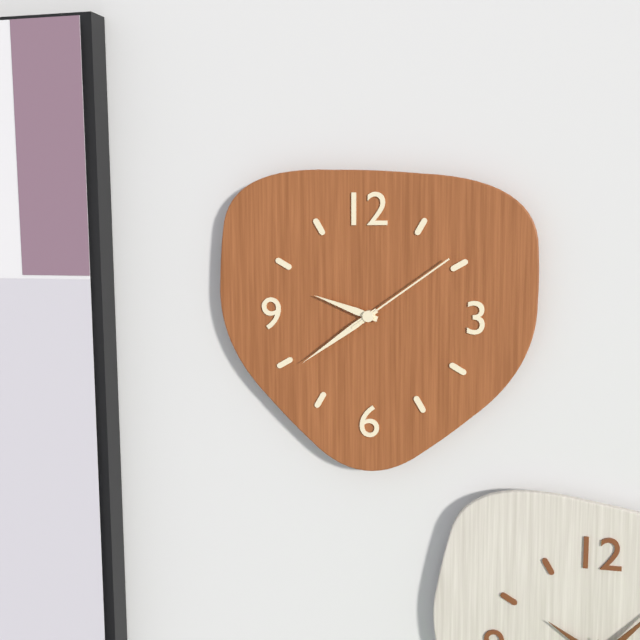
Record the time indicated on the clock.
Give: 9:39:09
